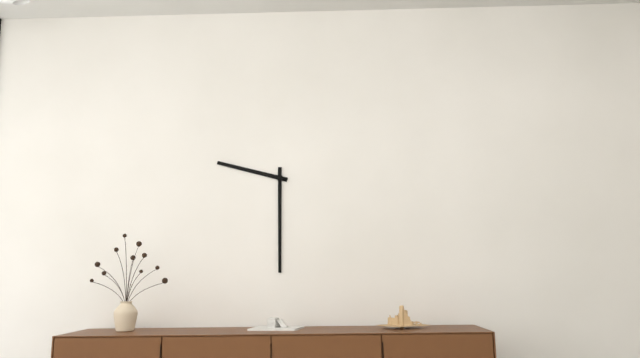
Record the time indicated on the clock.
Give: 9:30
